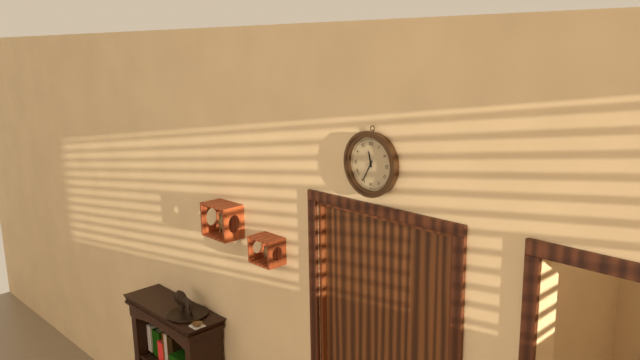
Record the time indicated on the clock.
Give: 11:35
